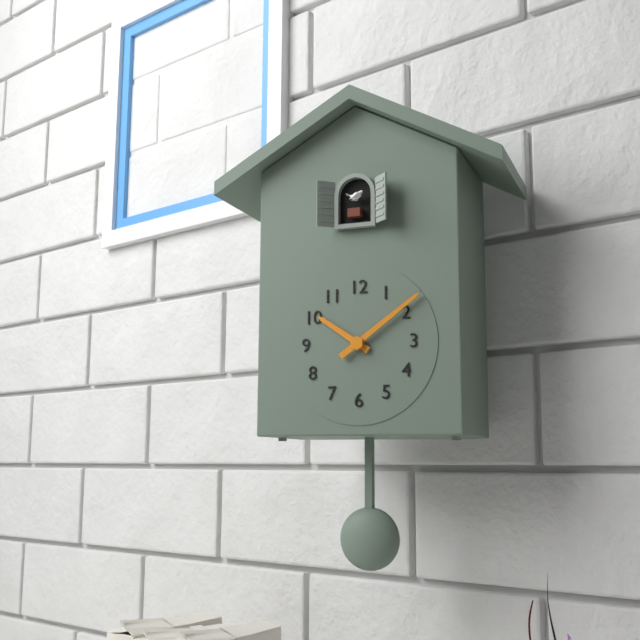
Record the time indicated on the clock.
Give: 10:09
